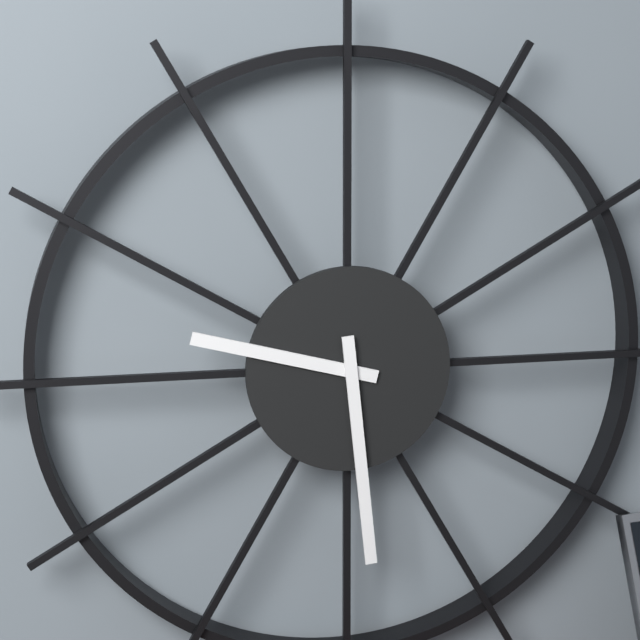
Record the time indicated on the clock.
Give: 9:29
